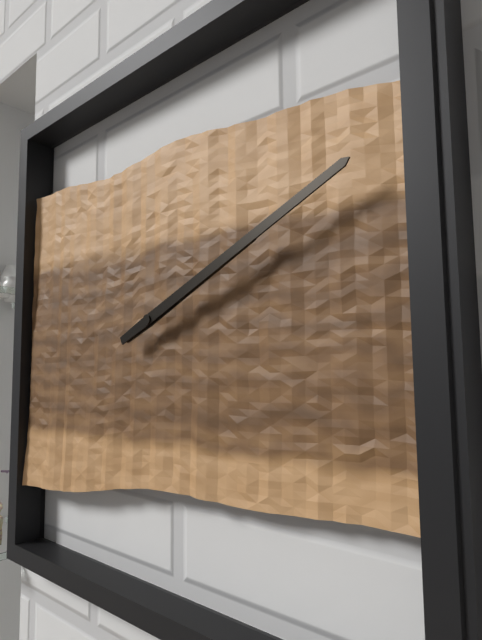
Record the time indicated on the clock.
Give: 2:11
